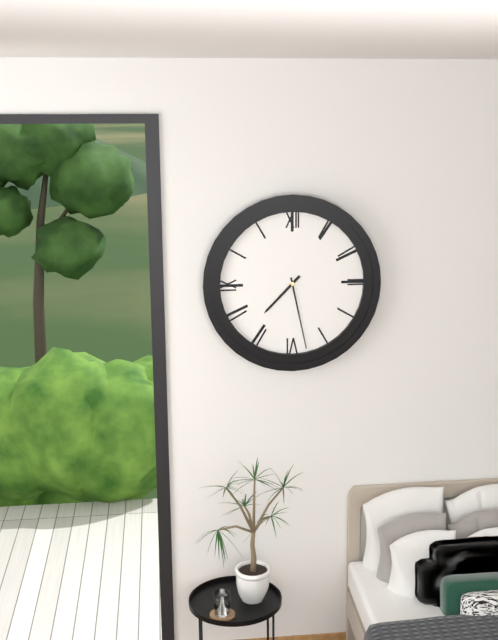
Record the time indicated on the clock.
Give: 7:28
